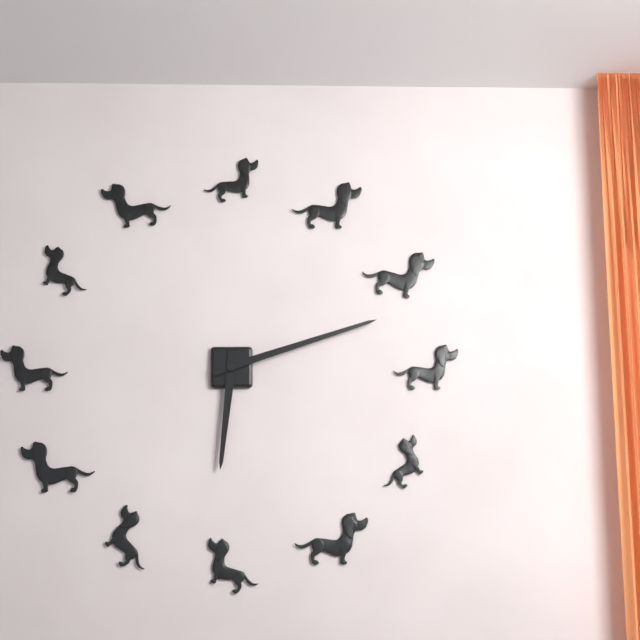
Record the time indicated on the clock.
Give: 6:12
